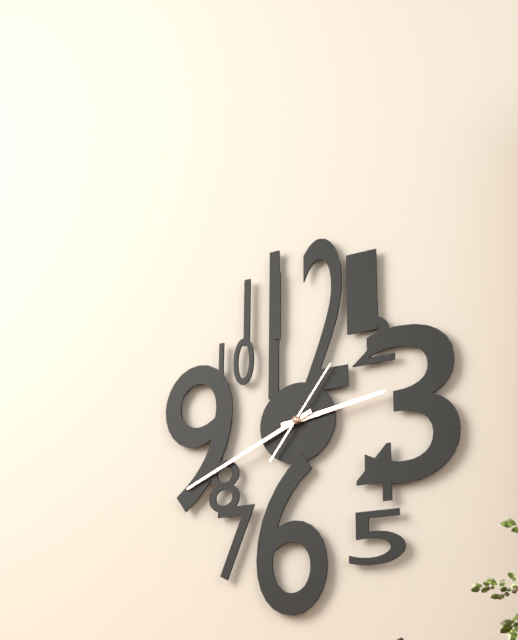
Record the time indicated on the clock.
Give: 2:41:06
